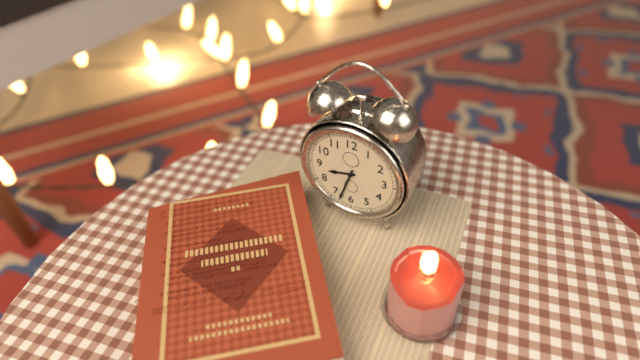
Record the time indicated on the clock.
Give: 8:33
